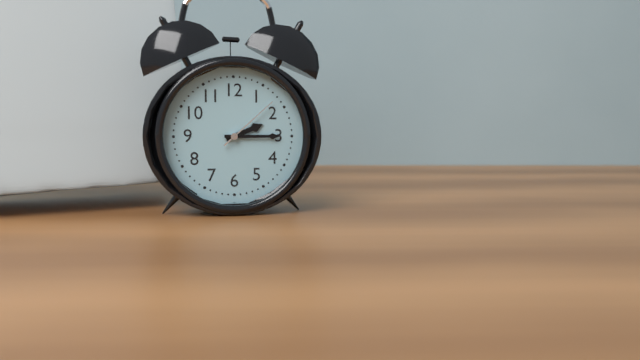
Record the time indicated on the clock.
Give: 2:15:08
